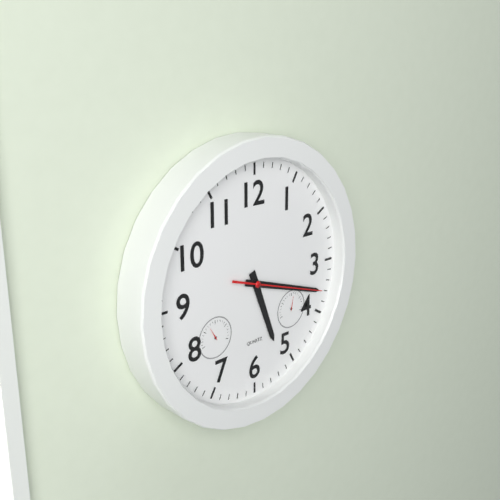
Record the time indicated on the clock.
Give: 5:18:18
